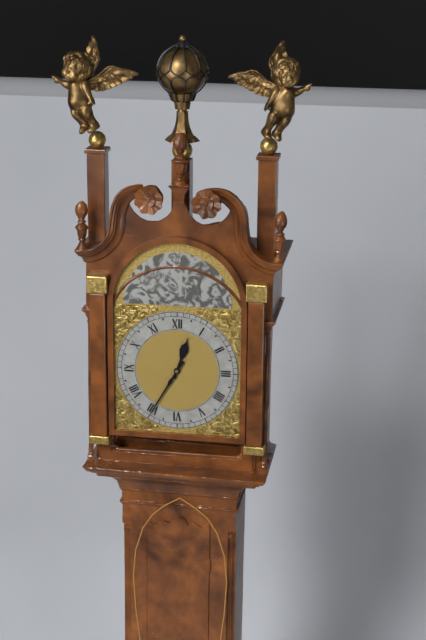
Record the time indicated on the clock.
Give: 12:35
